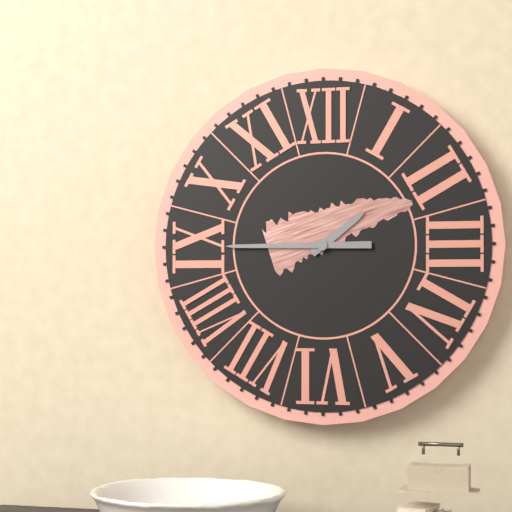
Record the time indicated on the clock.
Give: 1:45
